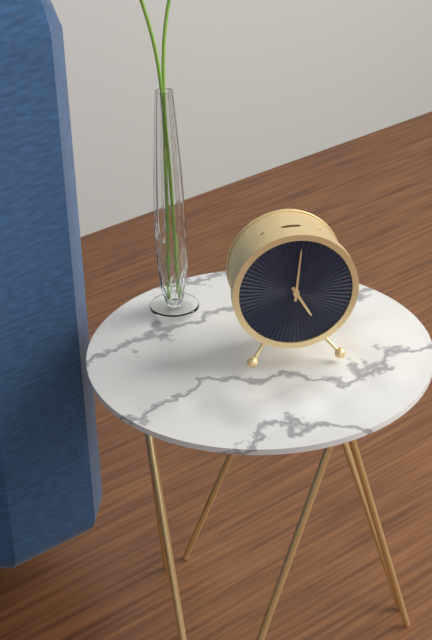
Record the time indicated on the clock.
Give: 5:01
